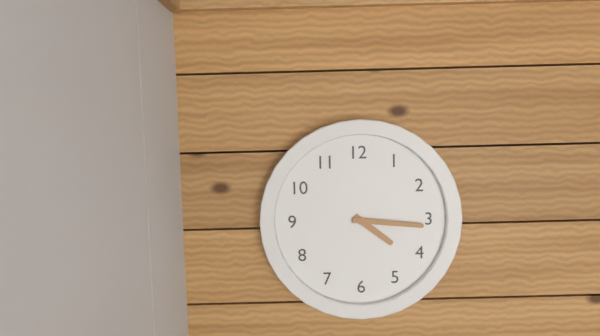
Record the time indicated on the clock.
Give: 4:16
